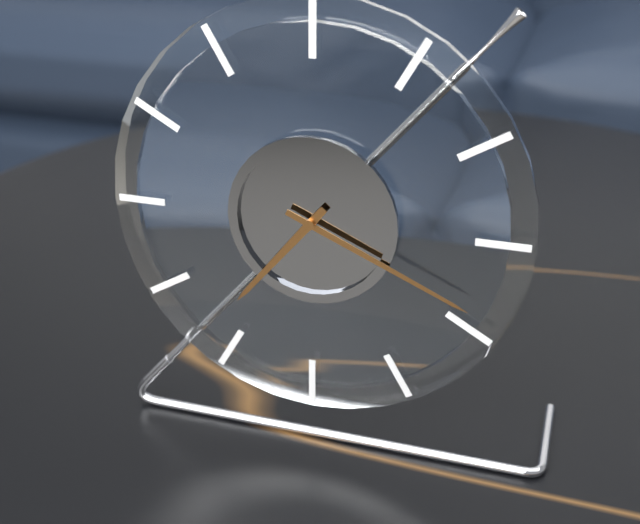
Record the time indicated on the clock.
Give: 7:19
